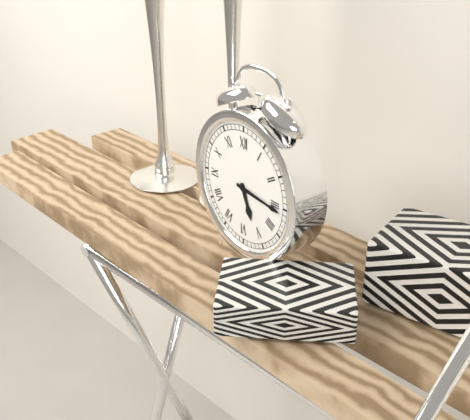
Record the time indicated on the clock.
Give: 5:16
